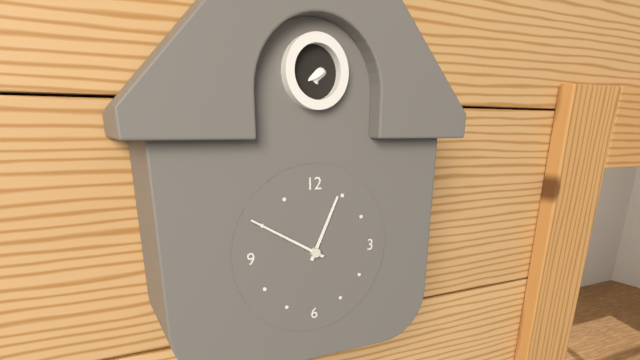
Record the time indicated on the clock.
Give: 12:50
